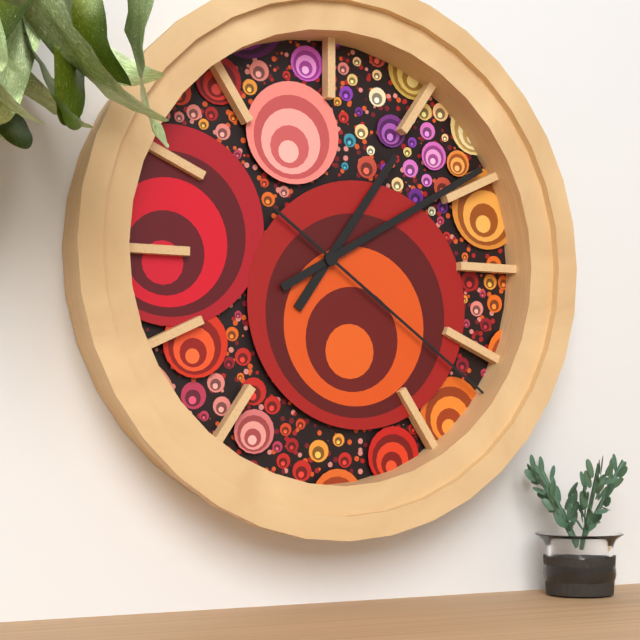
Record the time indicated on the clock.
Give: 1:10:21
